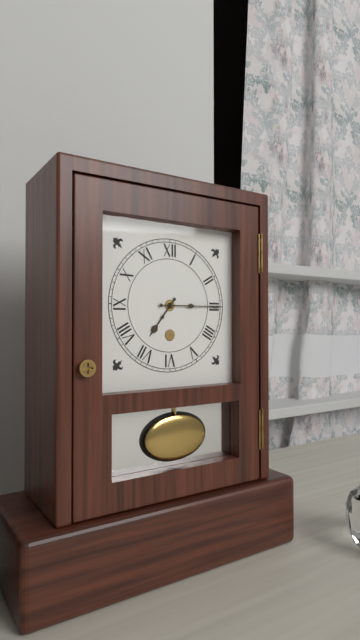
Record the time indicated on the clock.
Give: 7:15
